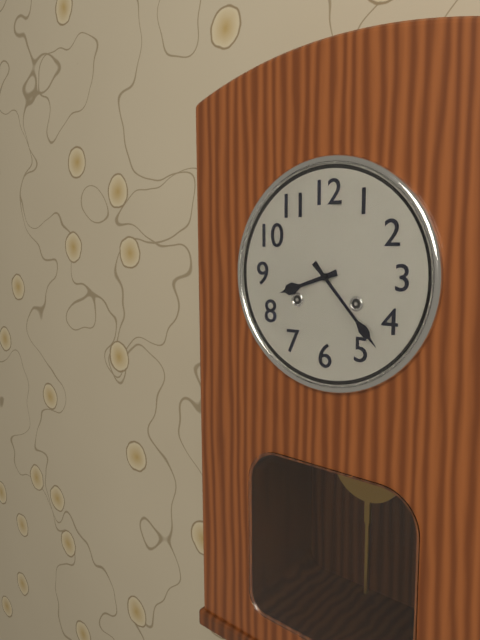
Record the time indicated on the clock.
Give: 8:23
